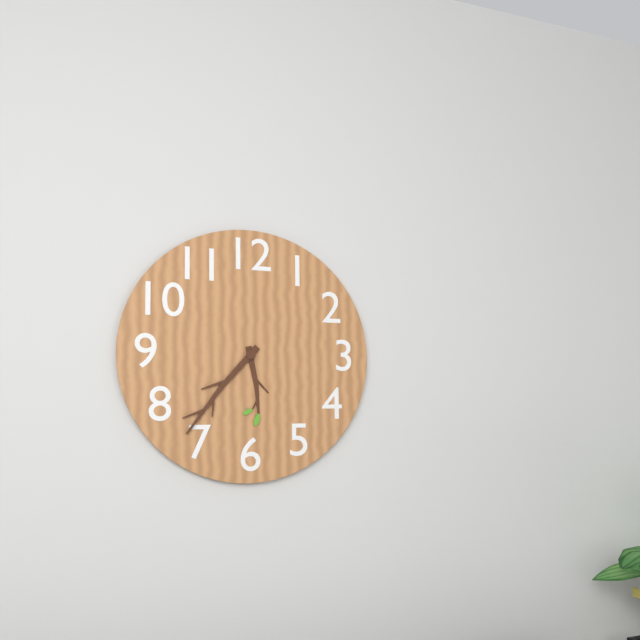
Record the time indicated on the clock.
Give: 5:37
